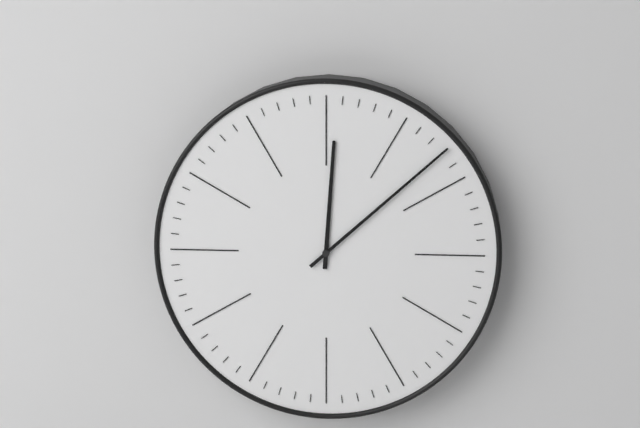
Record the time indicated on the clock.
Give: 12:08
